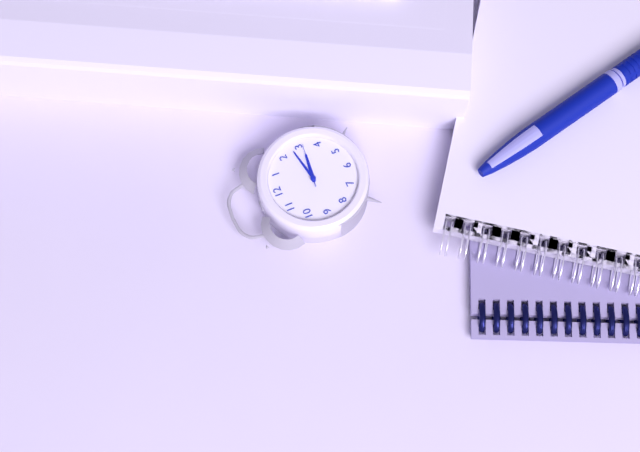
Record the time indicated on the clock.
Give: 3:13
